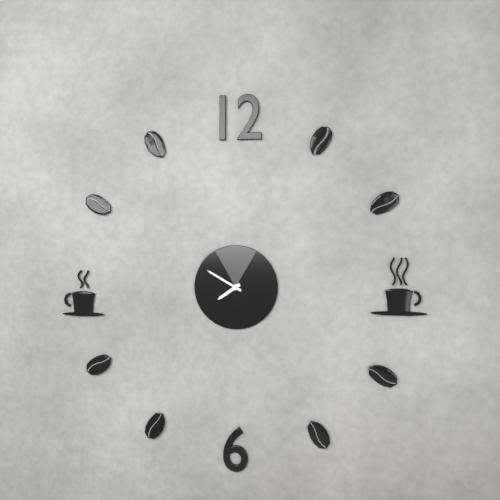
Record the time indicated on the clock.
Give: 7:50
